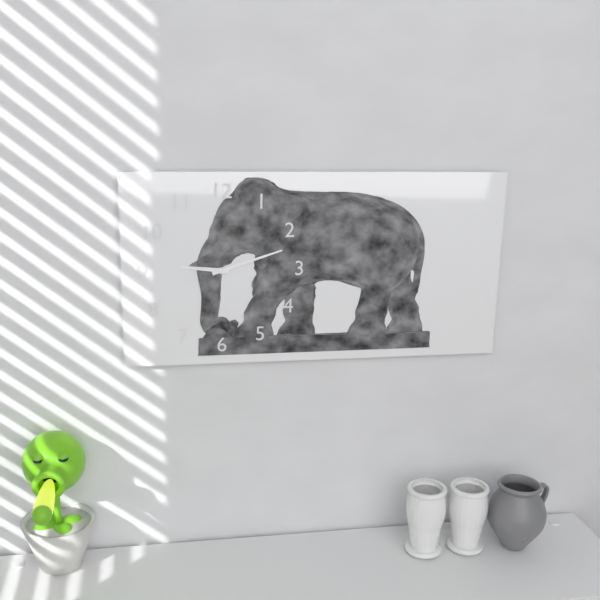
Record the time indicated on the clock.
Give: 9:12
